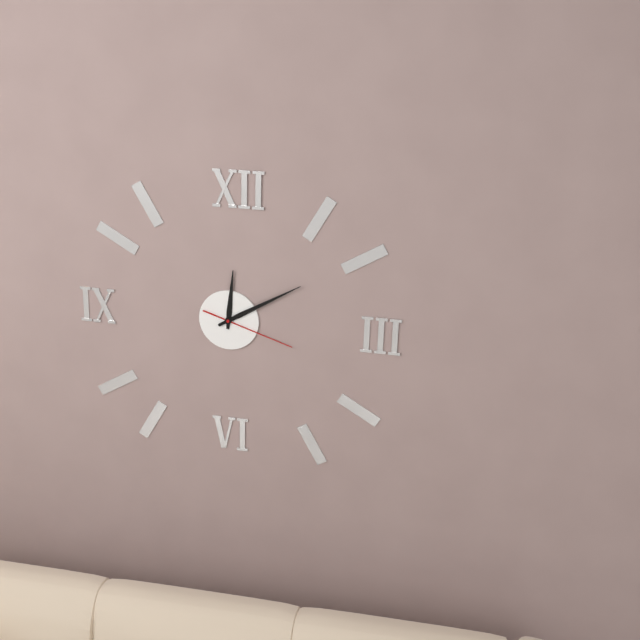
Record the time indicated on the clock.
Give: 12:10:18
